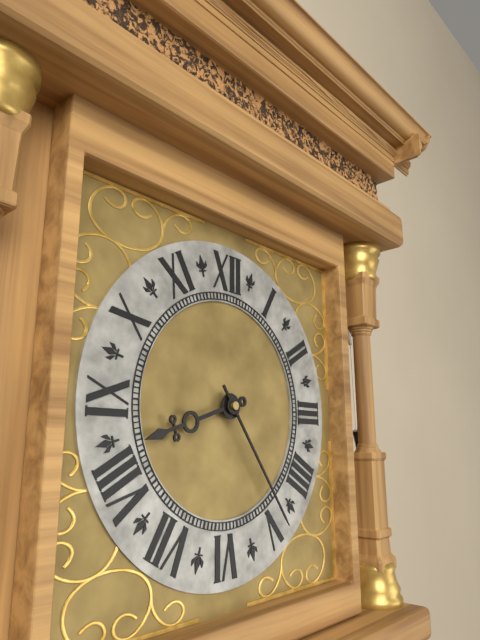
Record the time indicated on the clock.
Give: 8:24
